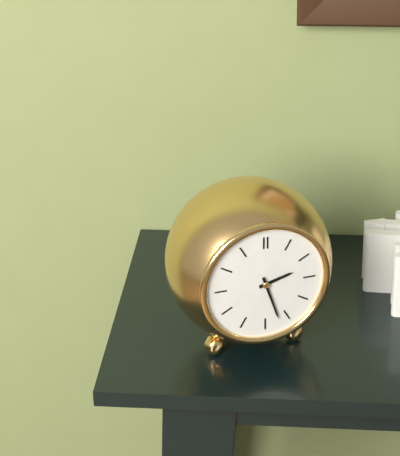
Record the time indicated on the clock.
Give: 2:27
